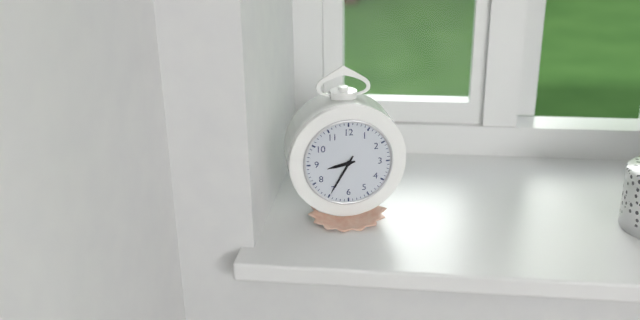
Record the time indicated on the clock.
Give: 8:35
